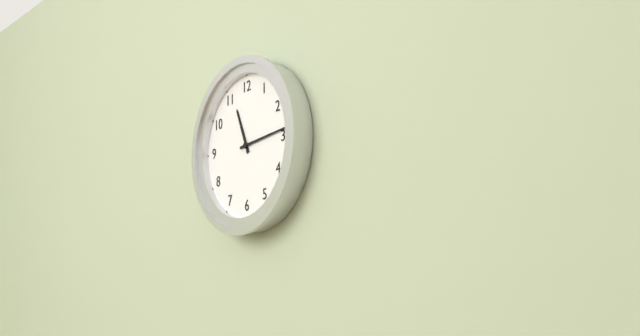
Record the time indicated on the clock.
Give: 11:14
